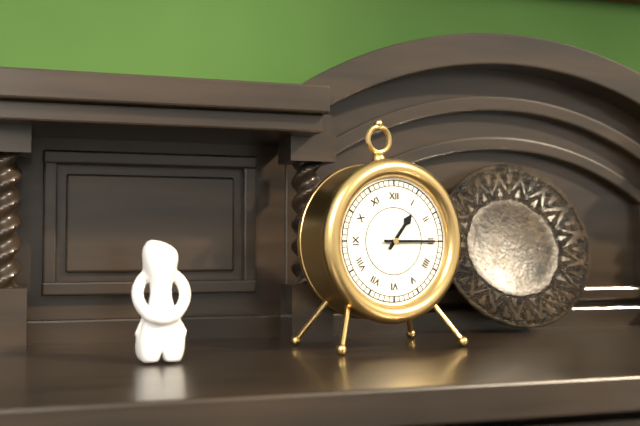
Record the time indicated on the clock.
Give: 1:15
